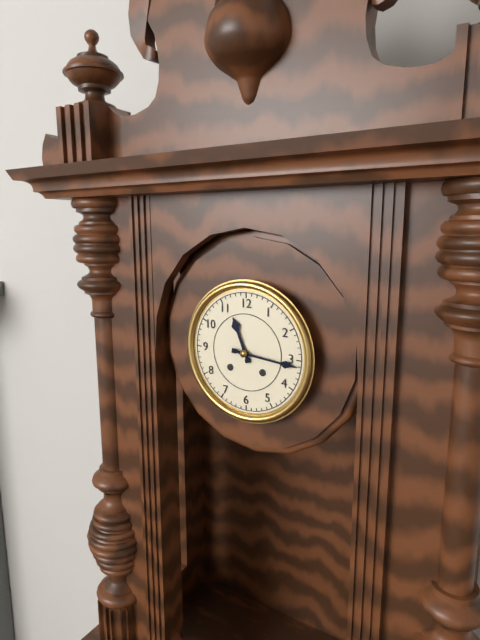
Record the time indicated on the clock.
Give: 11:16
